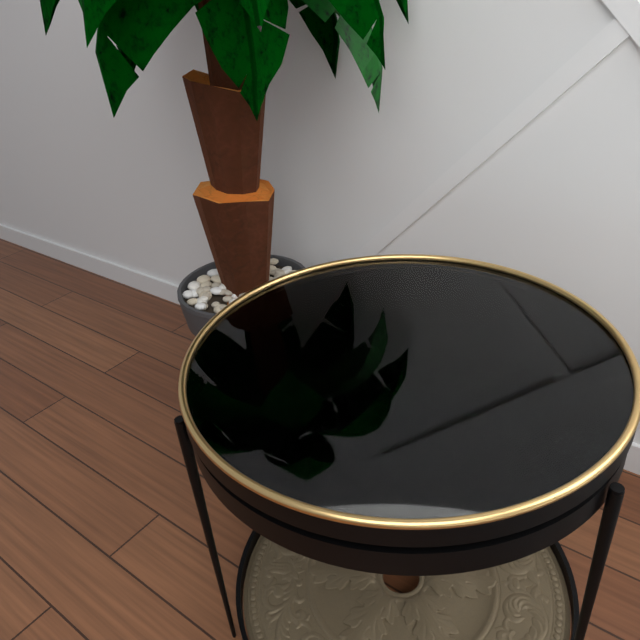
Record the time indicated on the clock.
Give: 11:01
